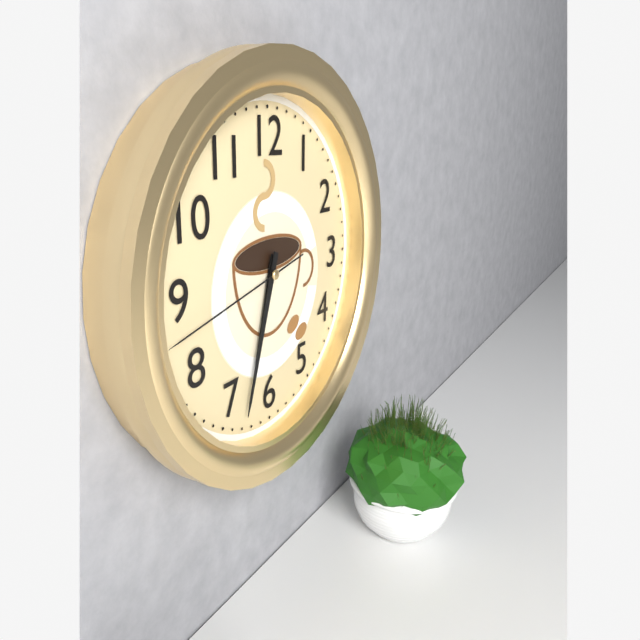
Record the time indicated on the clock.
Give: 6:33:43
